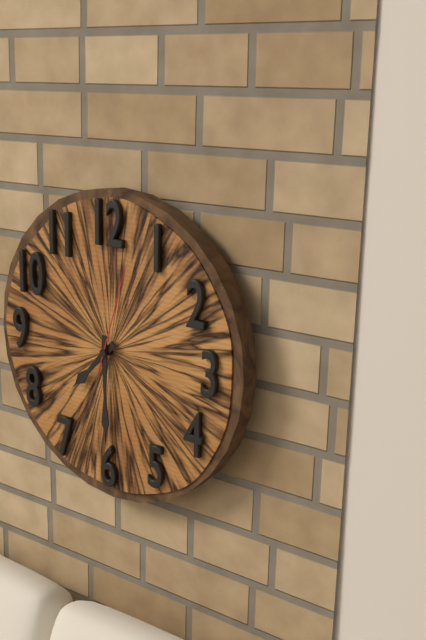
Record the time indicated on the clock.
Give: 7:30:03
